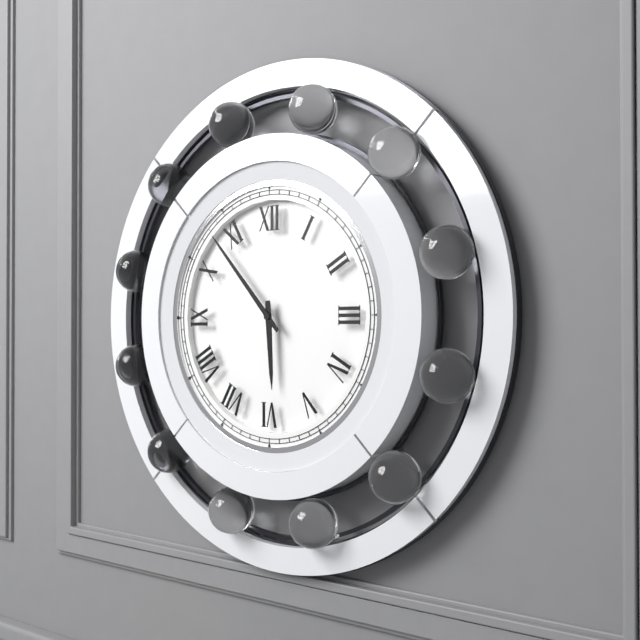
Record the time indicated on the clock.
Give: 5:53
